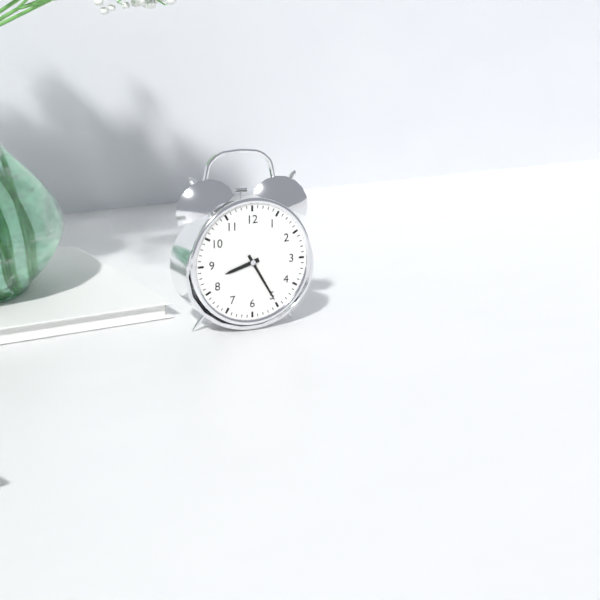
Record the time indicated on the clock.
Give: 8:25
